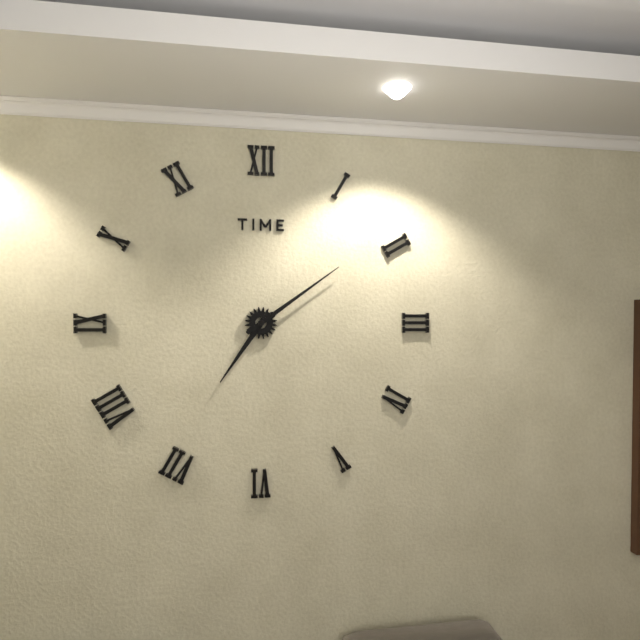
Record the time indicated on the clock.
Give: 7:09
